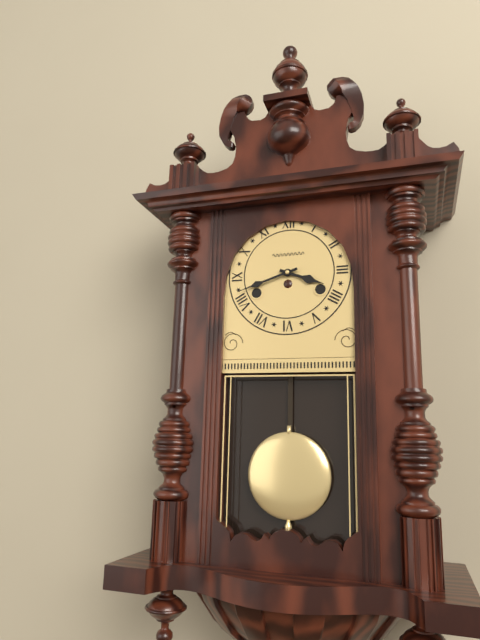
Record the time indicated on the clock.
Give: 3:42
